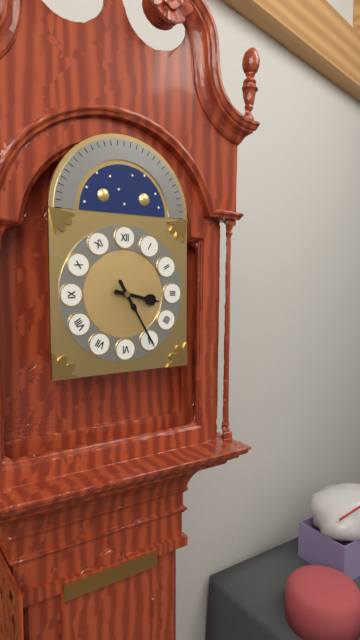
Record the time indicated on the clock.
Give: 3:25
